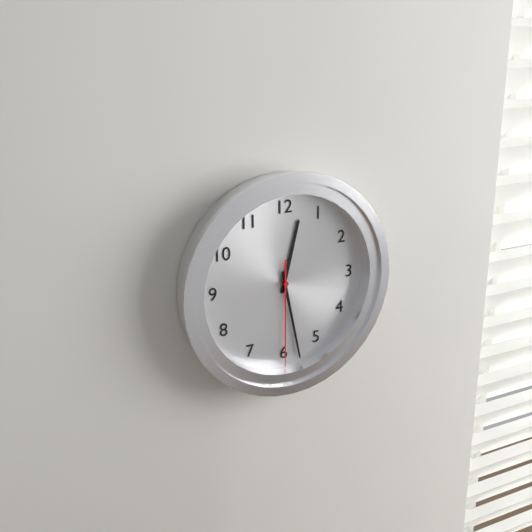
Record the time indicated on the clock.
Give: 12:28:30
